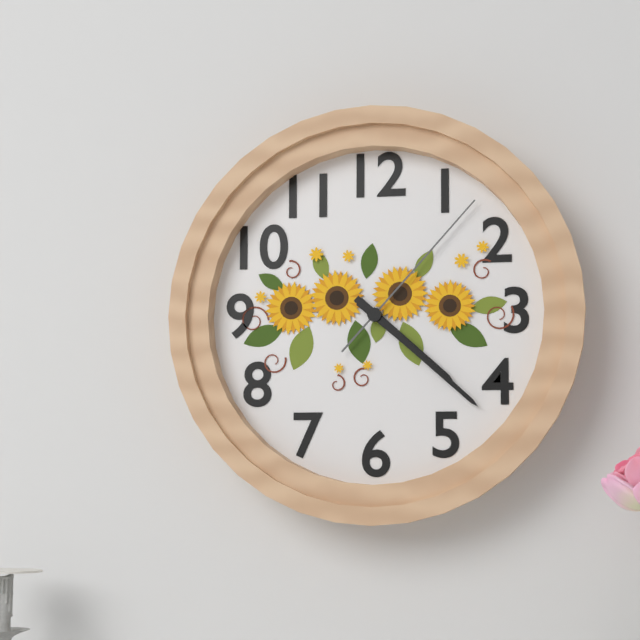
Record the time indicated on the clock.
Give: 4:22:07
